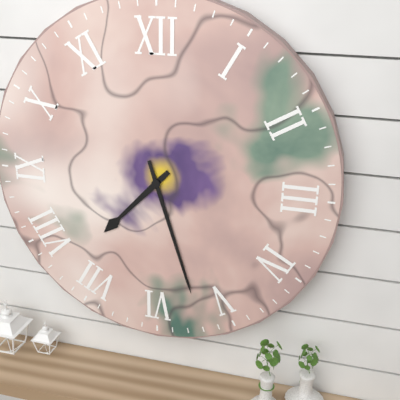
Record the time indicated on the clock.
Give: 7:27
